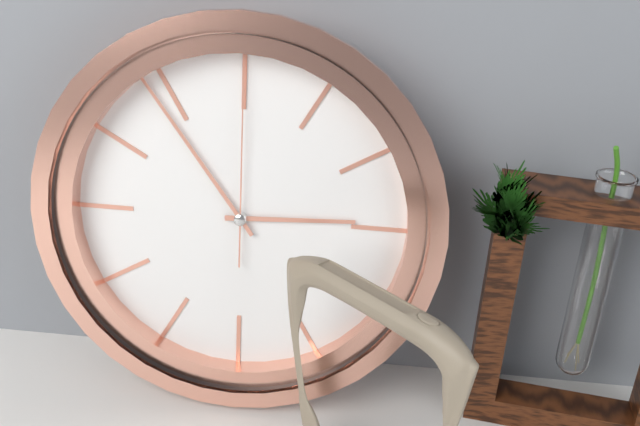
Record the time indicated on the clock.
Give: 2:54:00
